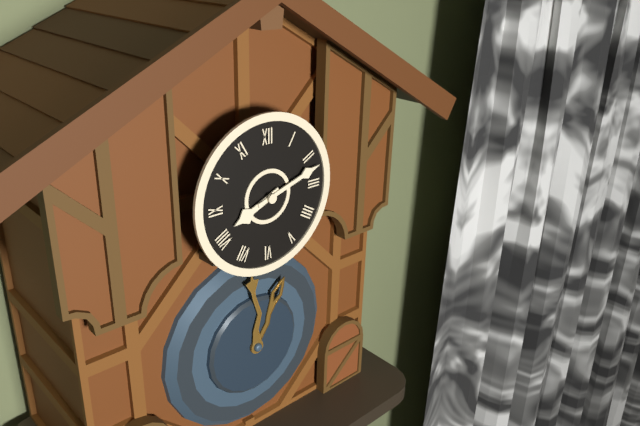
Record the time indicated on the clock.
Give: 8:12
